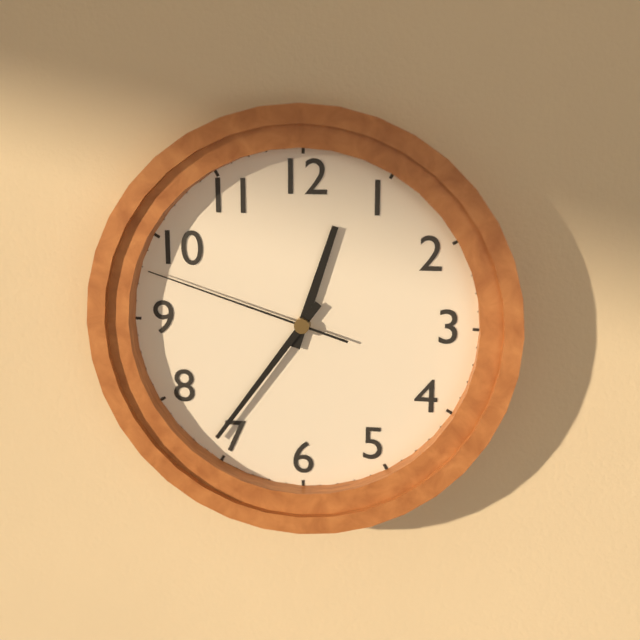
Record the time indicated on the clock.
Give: 12:36:48
